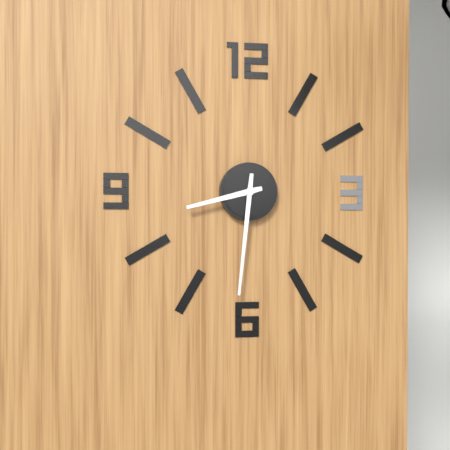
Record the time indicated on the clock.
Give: 8:31
